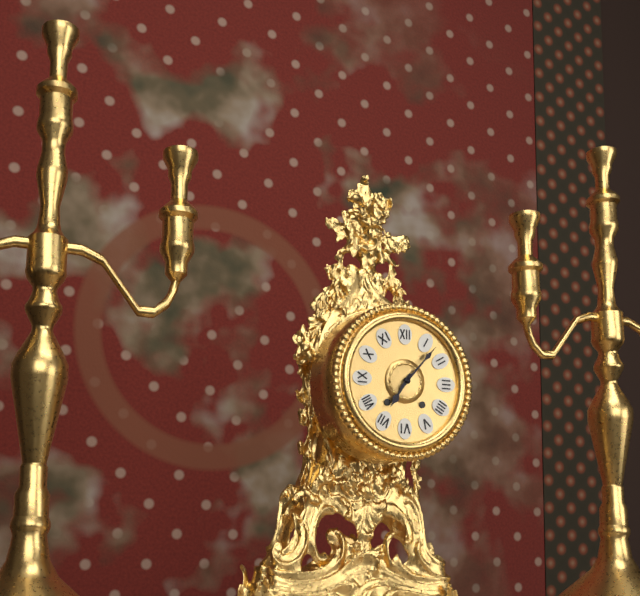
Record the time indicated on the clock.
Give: 7:07
